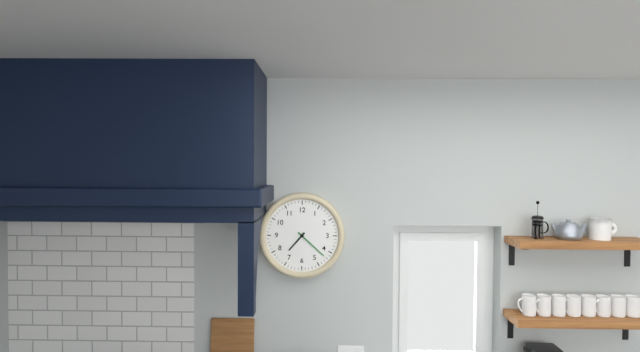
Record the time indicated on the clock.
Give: 7:22
